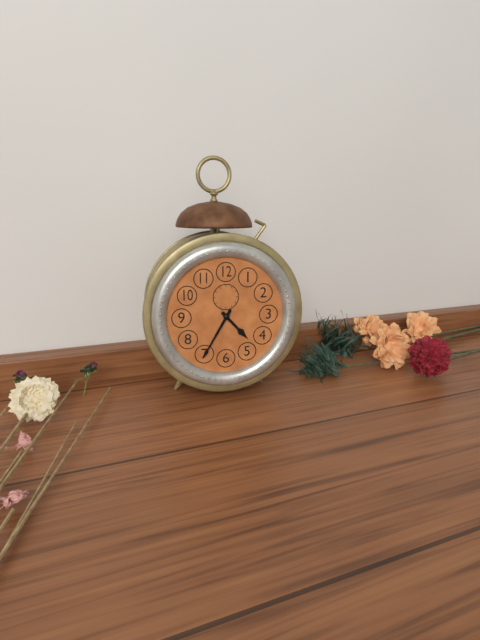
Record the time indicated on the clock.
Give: 4:35
